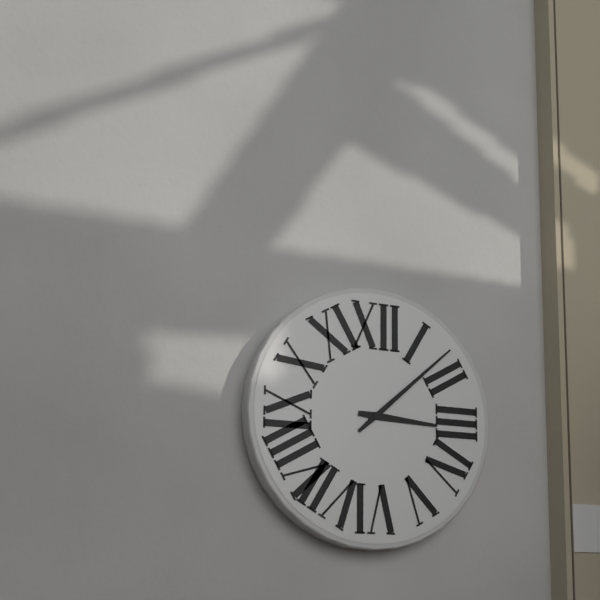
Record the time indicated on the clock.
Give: 3:08
